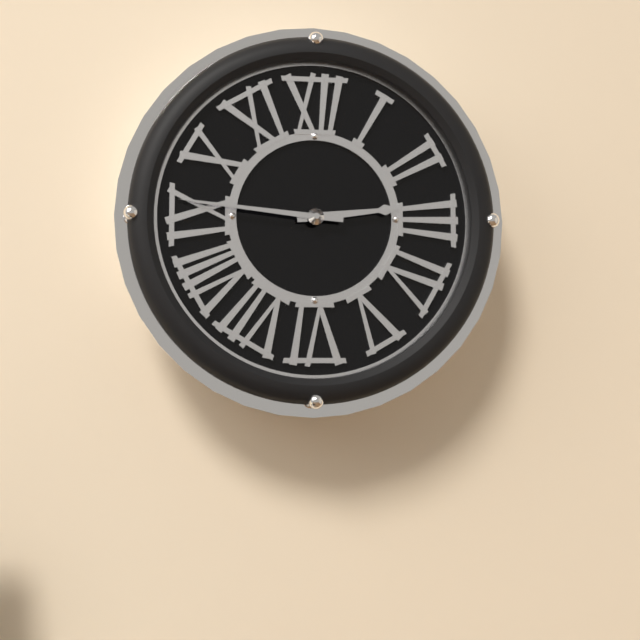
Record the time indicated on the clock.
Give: 2:46
